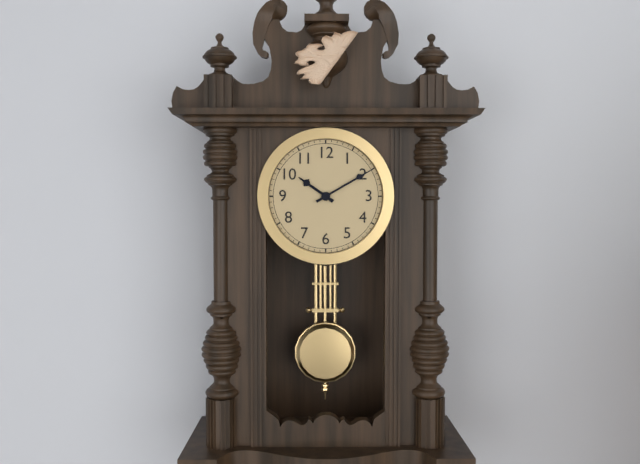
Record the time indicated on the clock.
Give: 10:10
